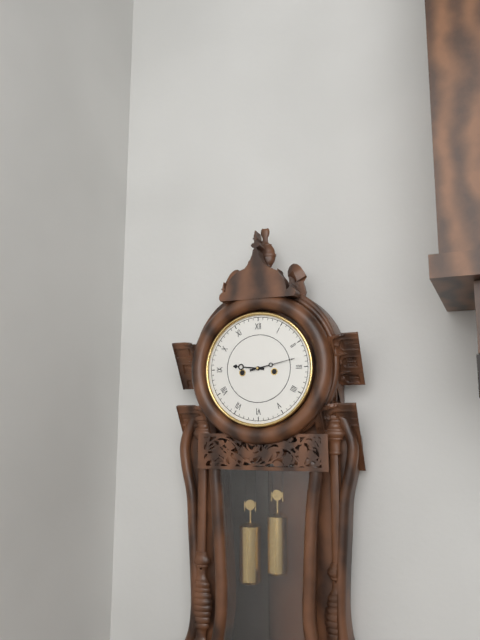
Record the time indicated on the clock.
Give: 9:13
